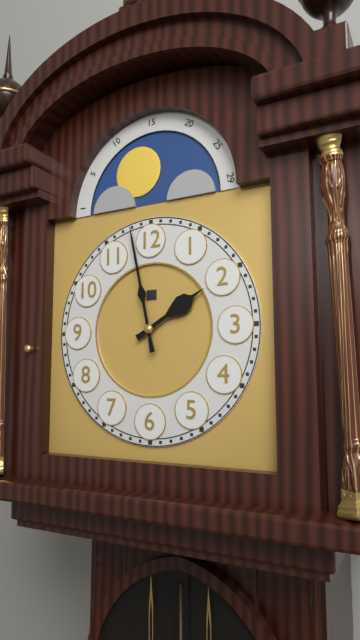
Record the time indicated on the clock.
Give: 1:58
